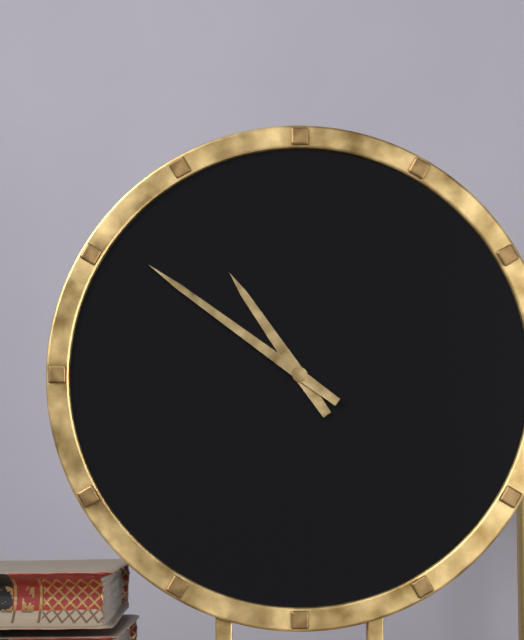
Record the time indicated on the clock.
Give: 10:51
